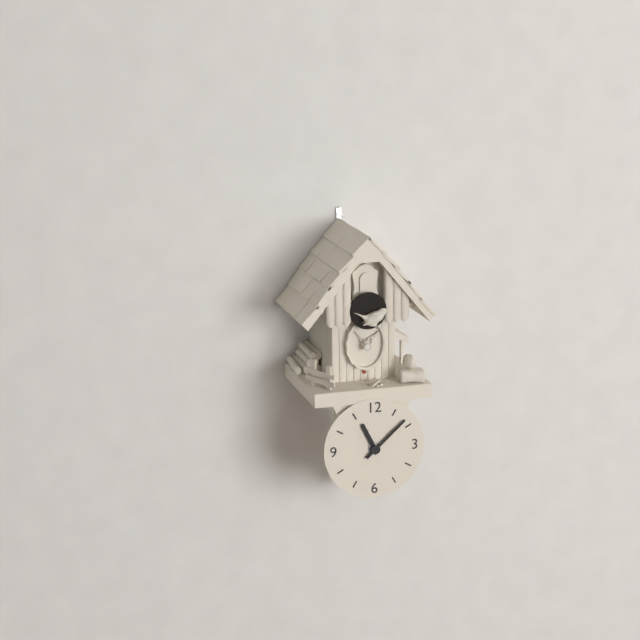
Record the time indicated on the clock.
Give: 11:08
